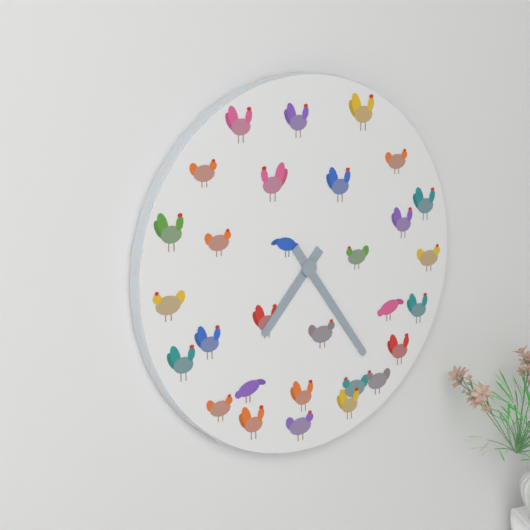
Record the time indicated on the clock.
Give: 7:24
